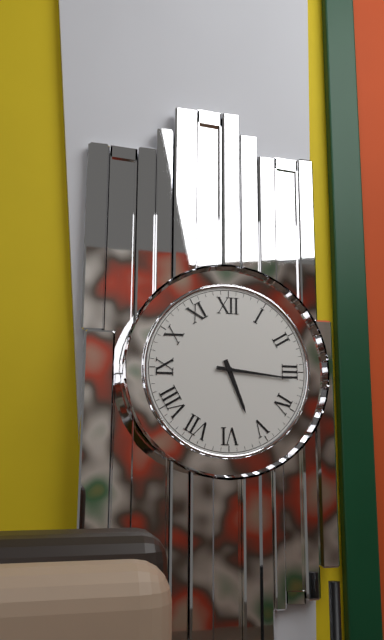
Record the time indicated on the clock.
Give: 5:16
